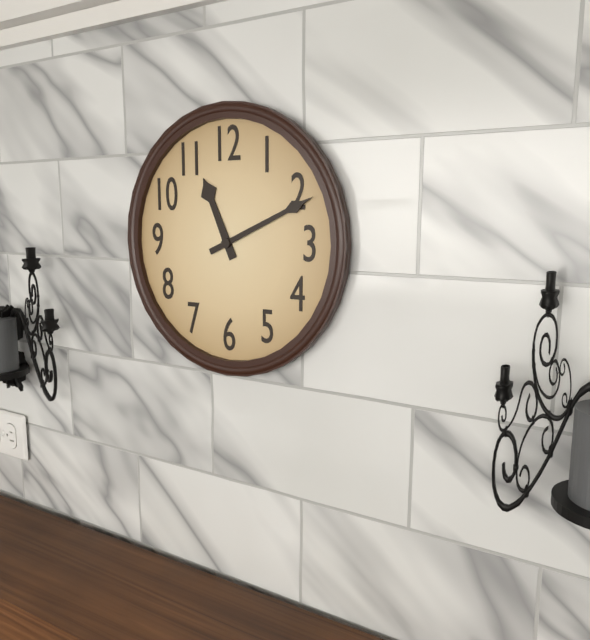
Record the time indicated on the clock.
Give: 11:11
